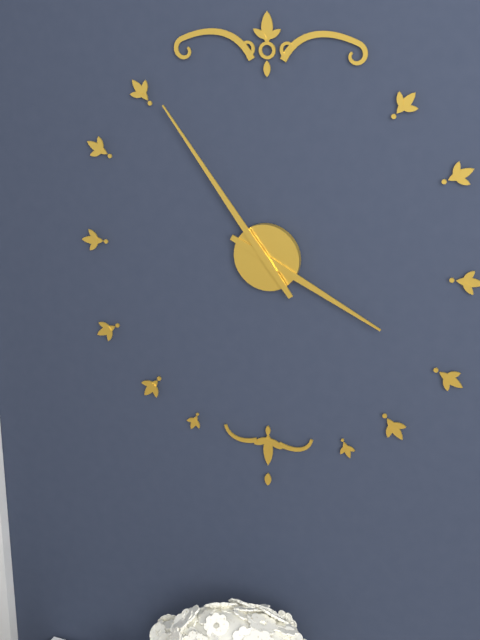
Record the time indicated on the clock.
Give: 3:54
